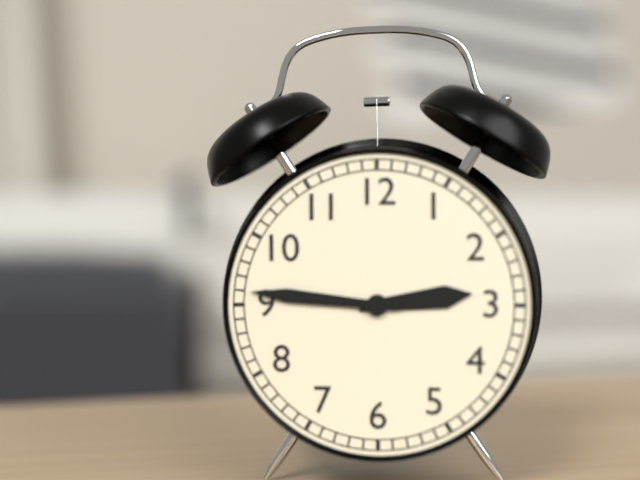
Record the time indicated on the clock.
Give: 2:46
